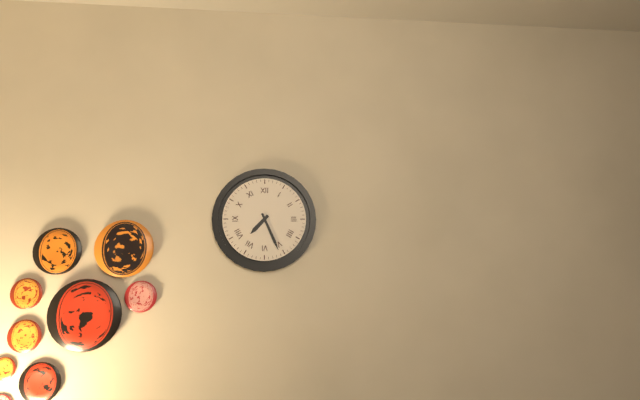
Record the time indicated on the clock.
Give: 7:26
